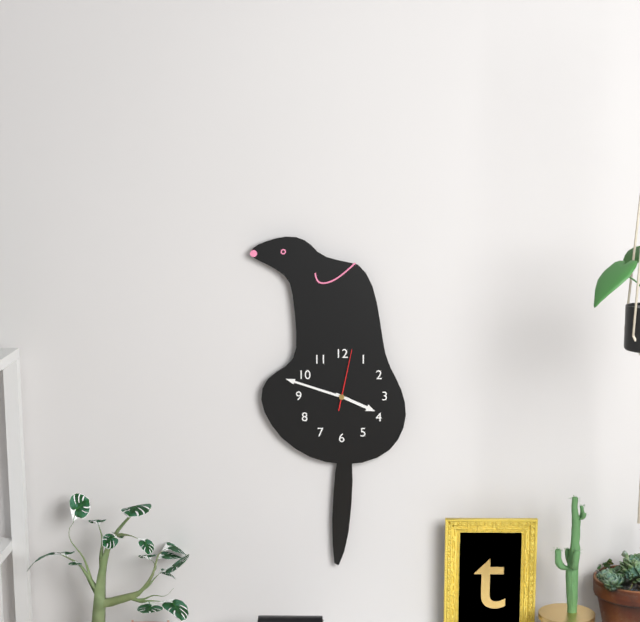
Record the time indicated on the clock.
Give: 3:48:02
